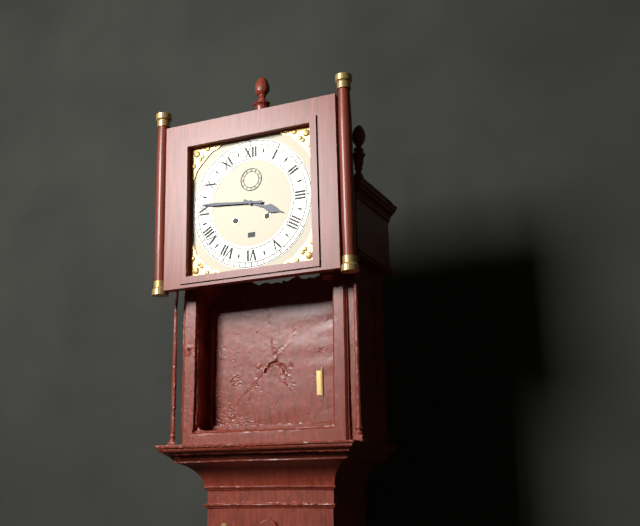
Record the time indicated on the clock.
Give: 3:46
